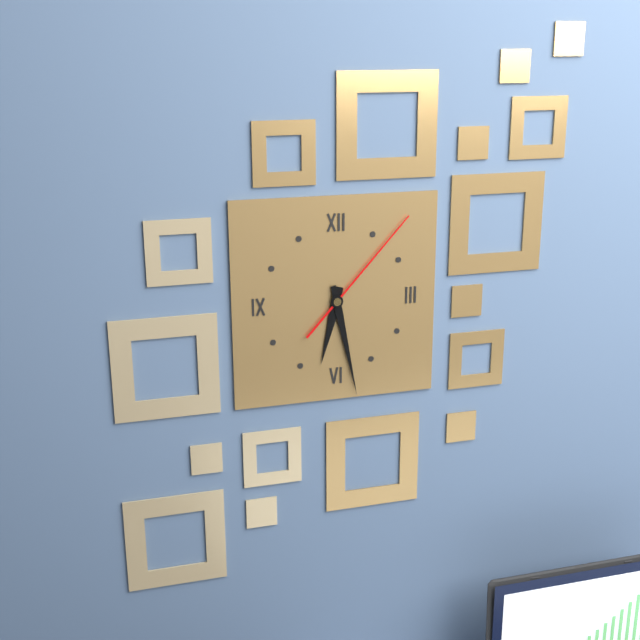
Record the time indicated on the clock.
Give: 6:28:07
